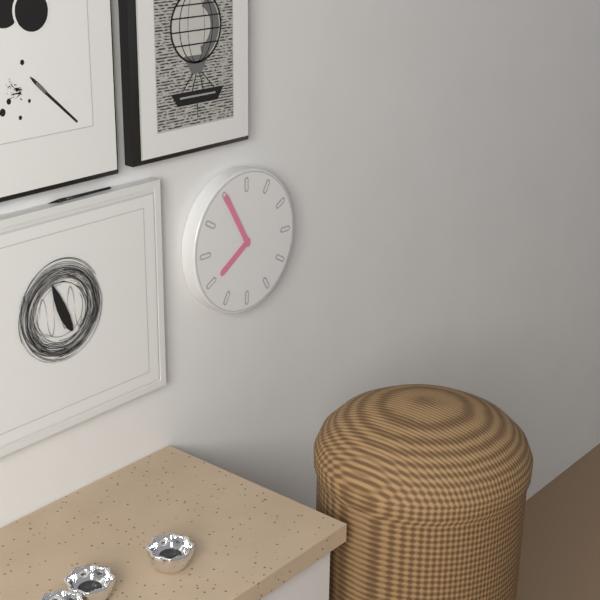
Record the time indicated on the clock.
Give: 7:55
